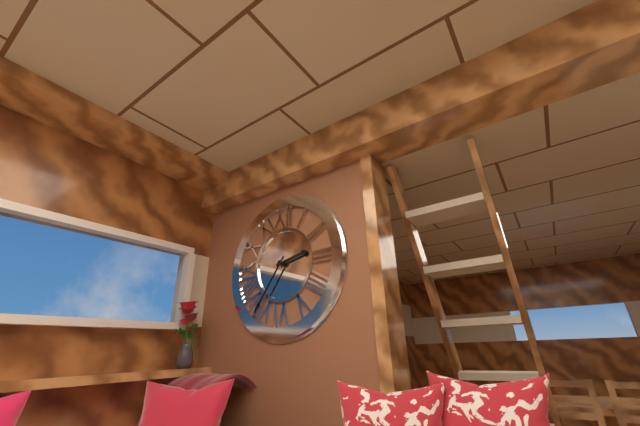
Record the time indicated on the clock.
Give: 2:36
